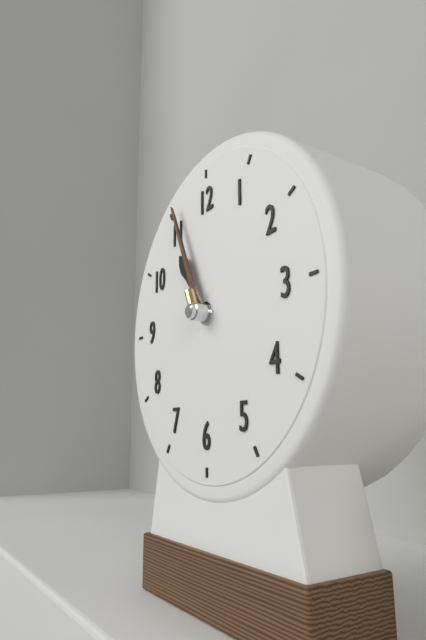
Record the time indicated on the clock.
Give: 10:56
